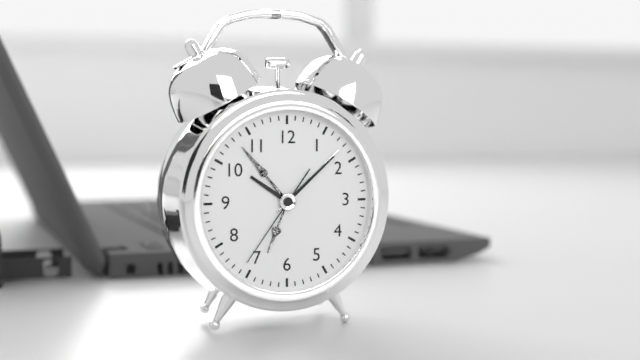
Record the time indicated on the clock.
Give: 10:08:36
